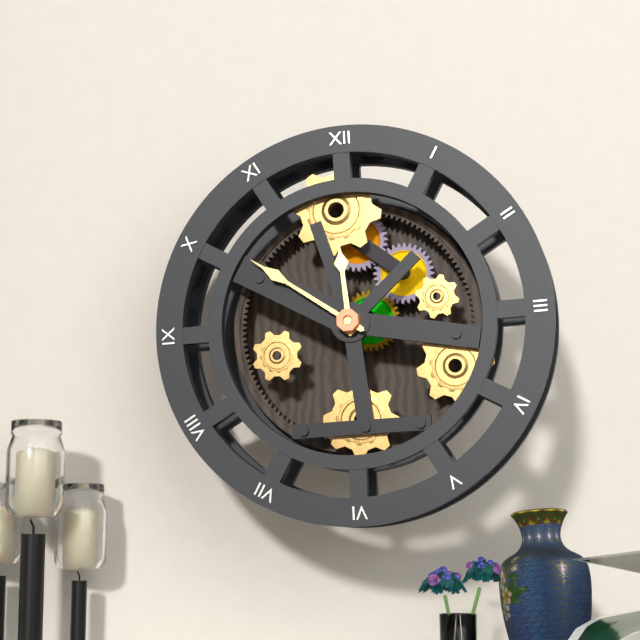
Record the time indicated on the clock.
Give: 11:51
